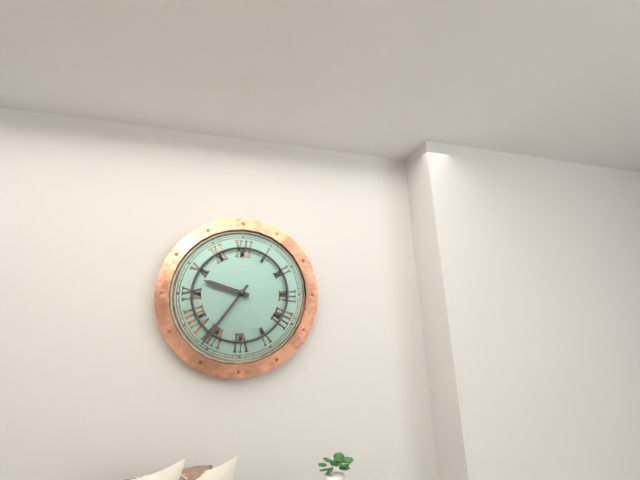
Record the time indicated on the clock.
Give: 9:36
